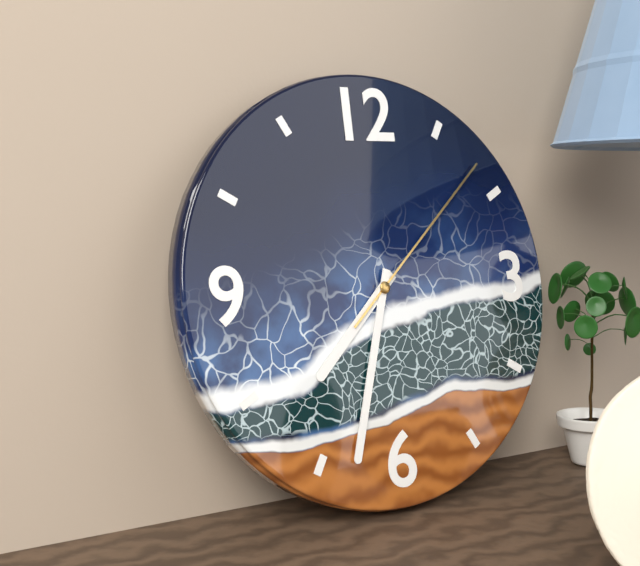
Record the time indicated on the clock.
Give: 7:33:08
